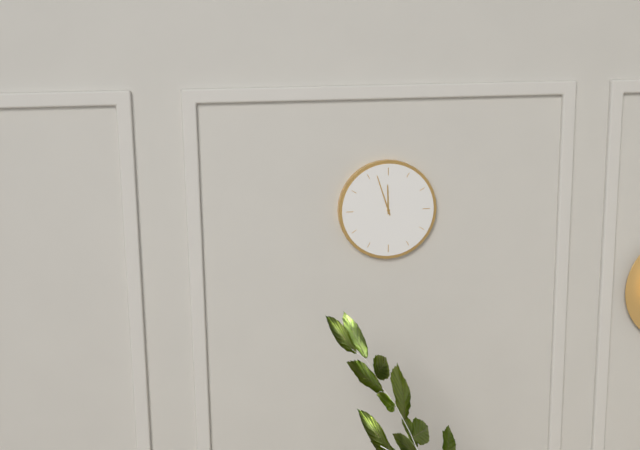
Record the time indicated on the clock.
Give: 11:57
